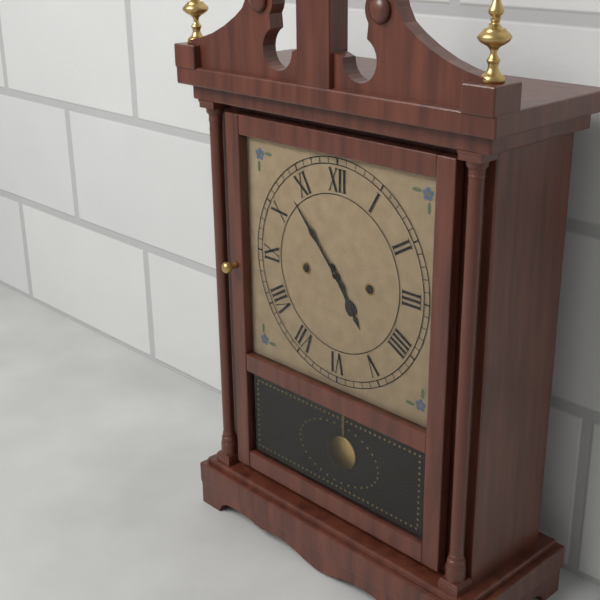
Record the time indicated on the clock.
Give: 4:53
